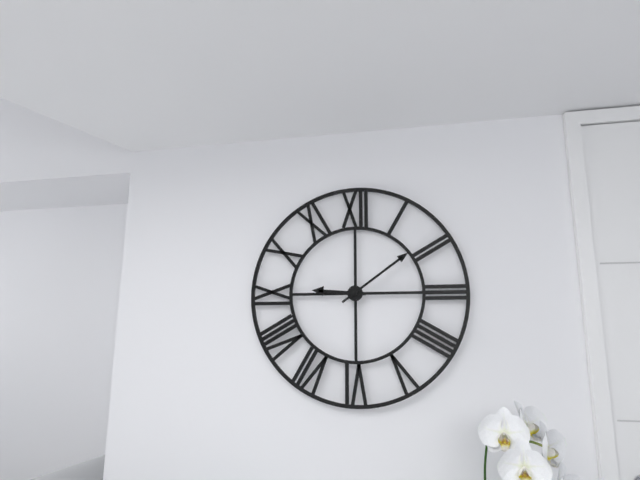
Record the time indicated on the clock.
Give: 9:09
